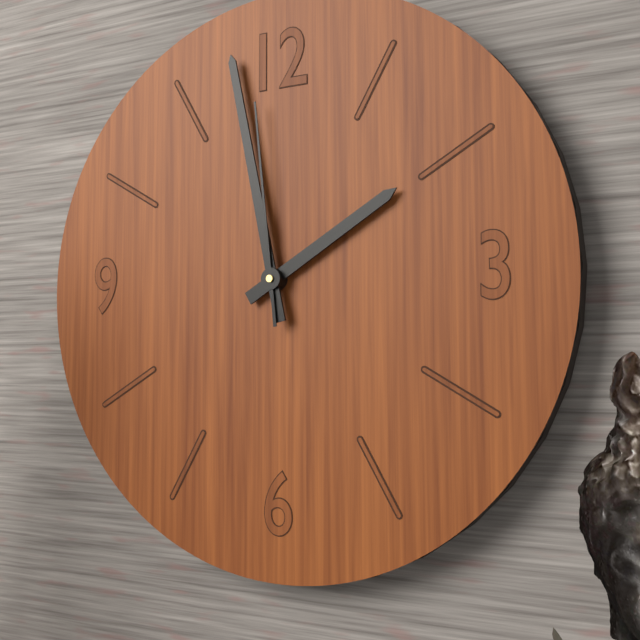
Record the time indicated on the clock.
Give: 1:58:59
